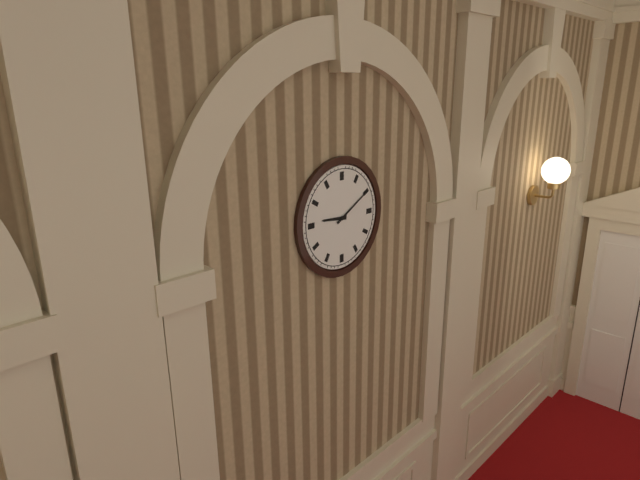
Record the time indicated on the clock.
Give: 9:10
